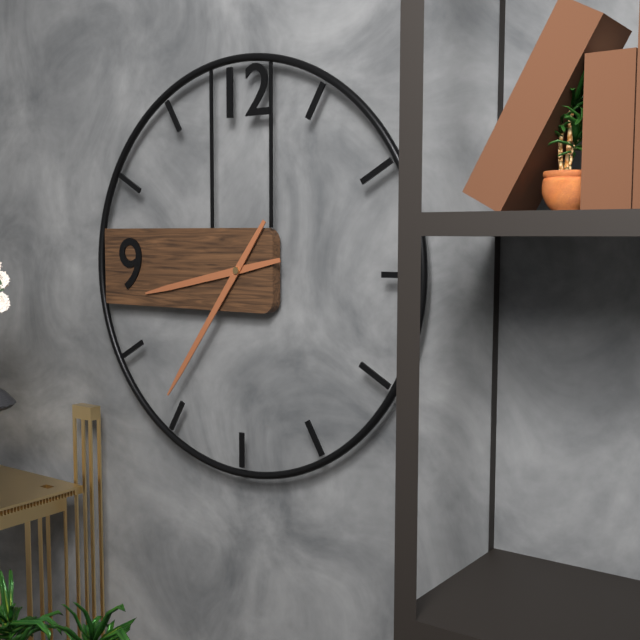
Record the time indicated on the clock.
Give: 8:36
